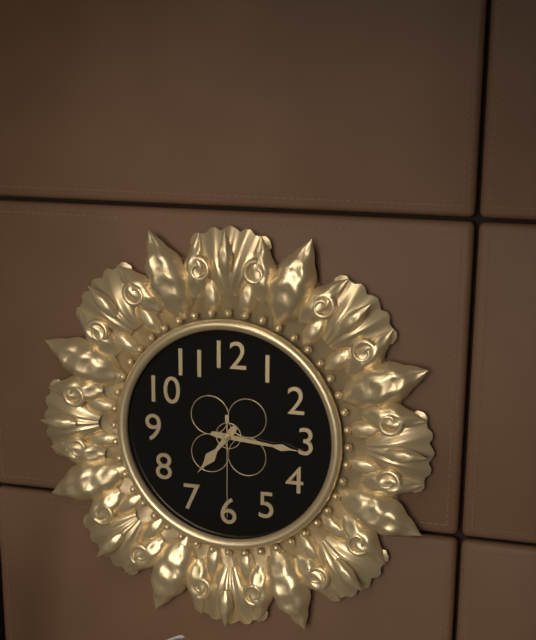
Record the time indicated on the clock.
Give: 7:16:30
